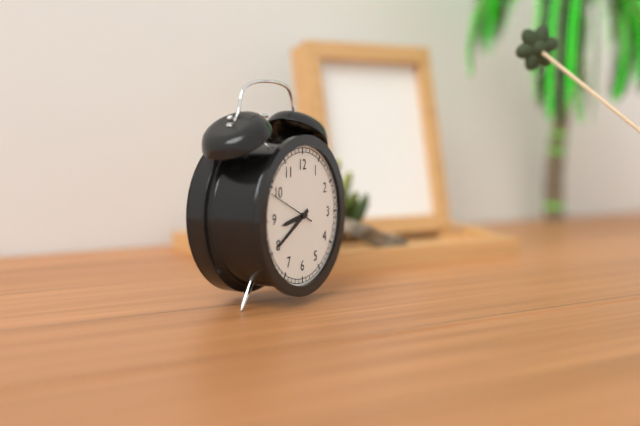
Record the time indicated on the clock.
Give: 8:40
